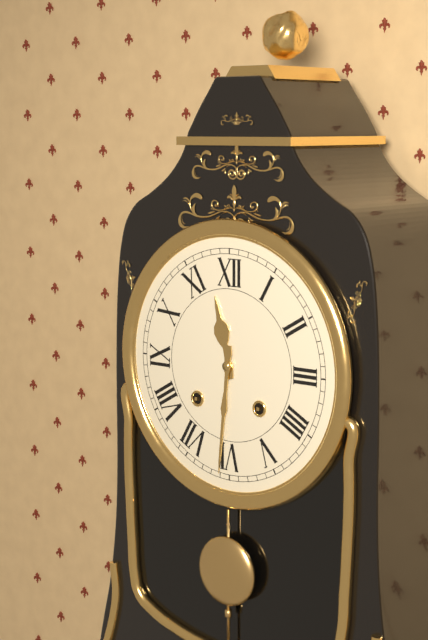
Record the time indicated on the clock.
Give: 11:31
